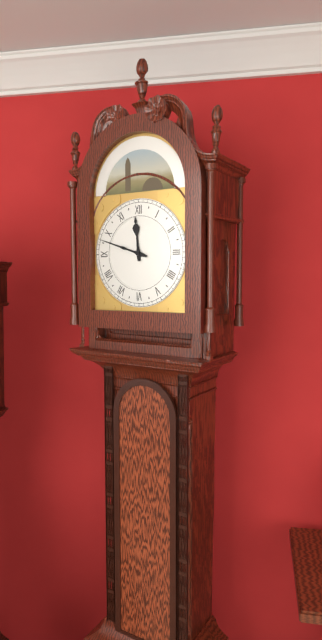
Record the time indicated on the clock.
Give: 11:48
